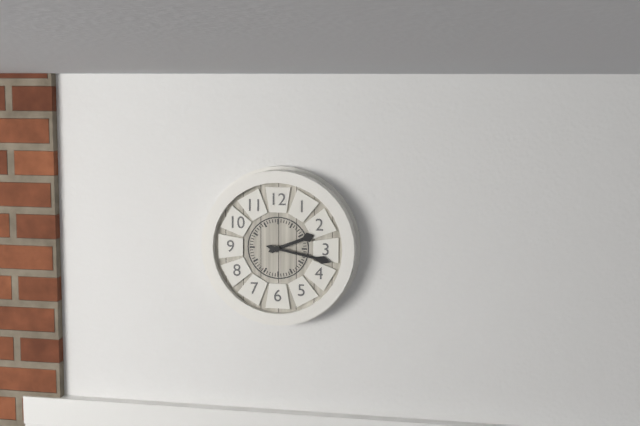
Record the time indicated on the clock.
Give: 2:17
